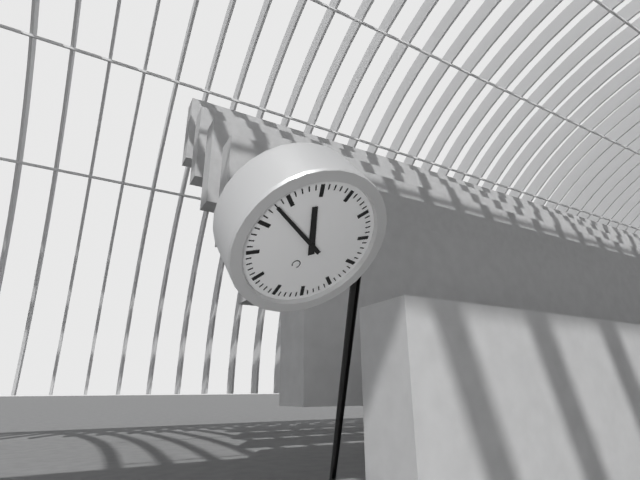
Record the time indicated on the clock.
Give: 10:48
